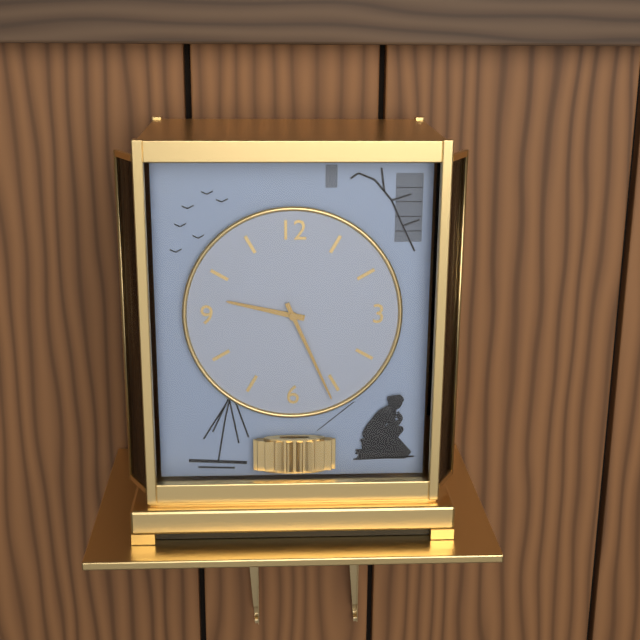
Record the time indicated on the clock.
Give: 9:26
